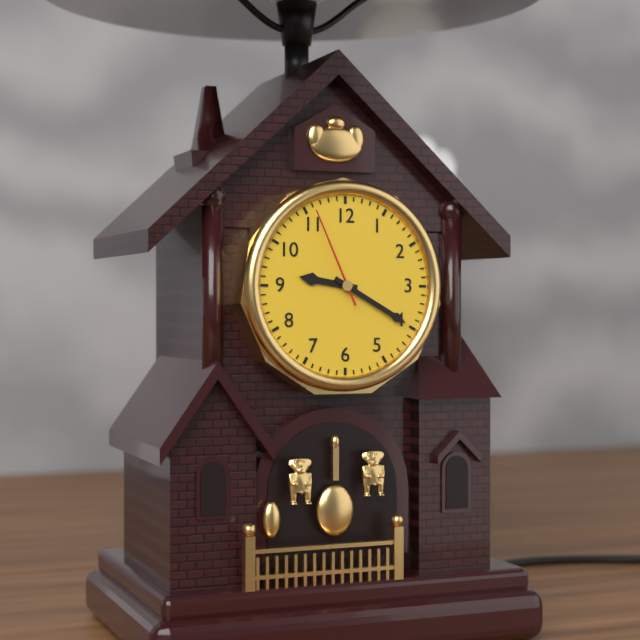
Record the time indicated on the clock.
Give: 9:20:56
